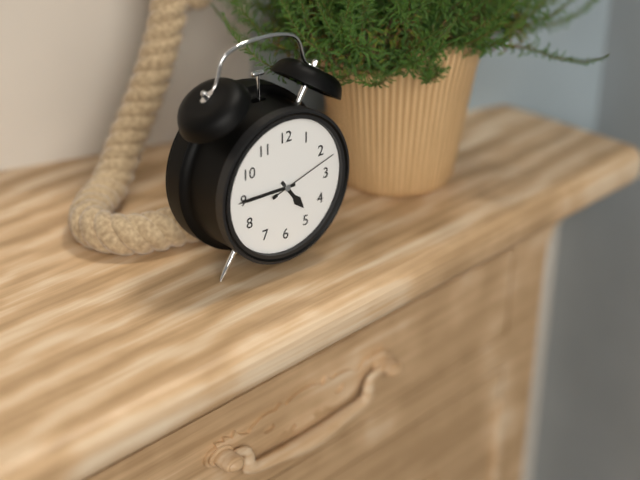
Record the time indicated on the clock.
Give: 4:45:12
